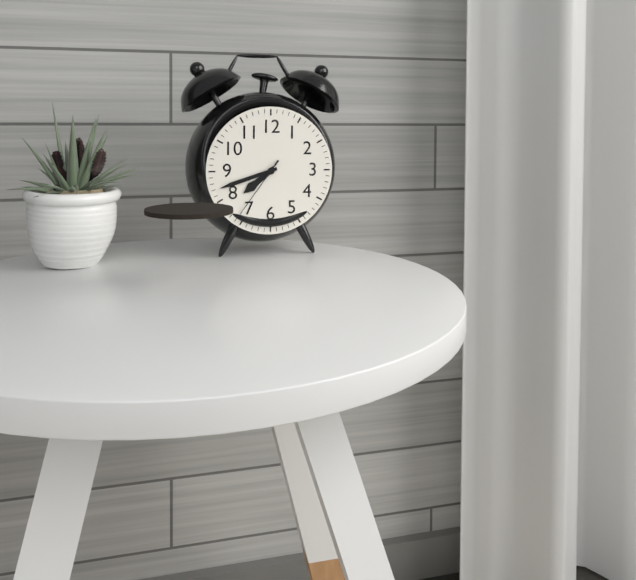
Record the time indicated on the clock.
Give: 7:42:36
